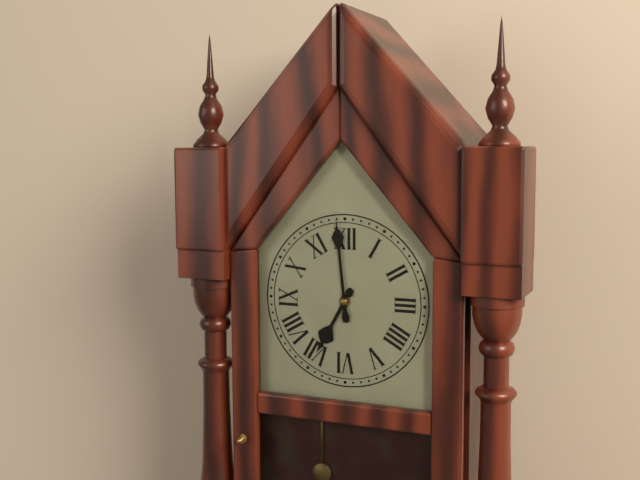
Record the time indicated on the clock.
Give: 6:59
